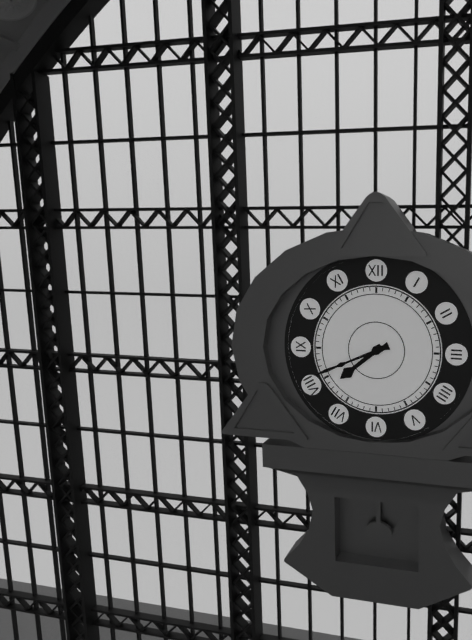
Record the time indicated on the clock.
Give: 7:41
